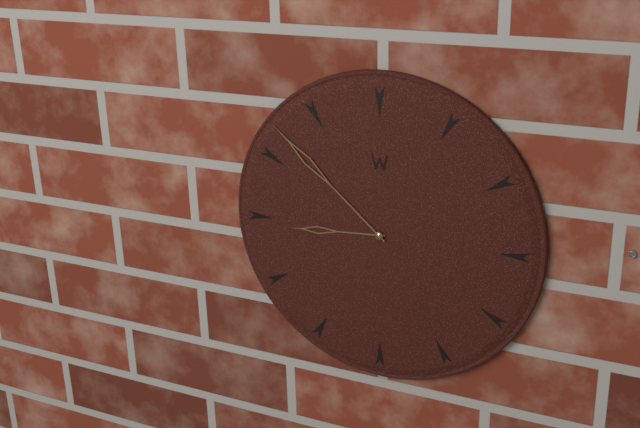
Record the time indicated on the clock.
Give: 8:52
